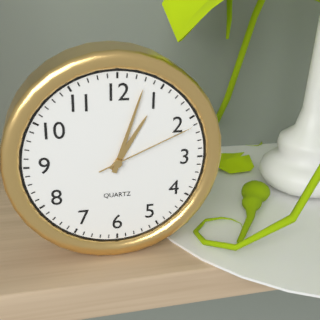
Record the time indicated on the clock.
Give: 1:03:11
